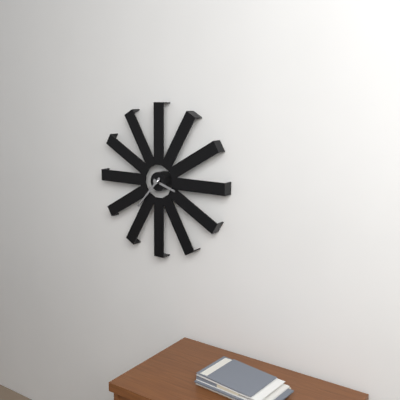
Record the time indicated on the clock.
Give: 3:37
